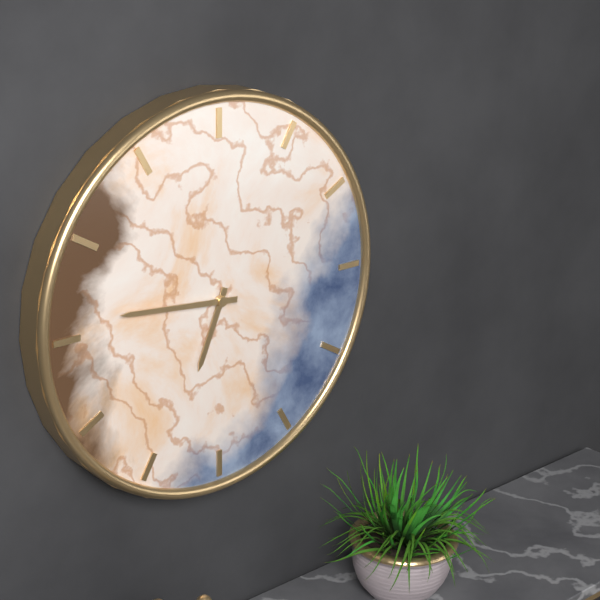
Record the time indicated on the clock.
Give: 6:46
